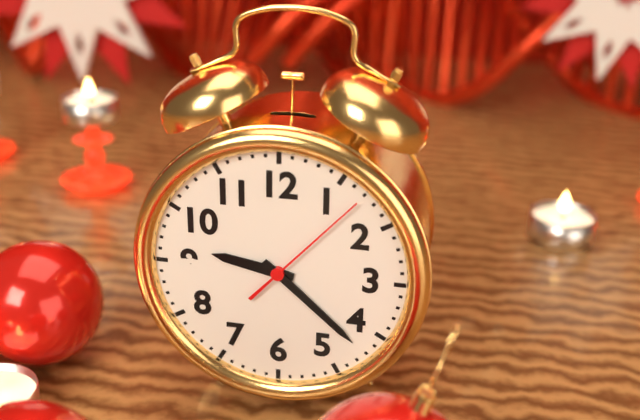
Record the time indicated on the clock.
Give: 9:22:07
